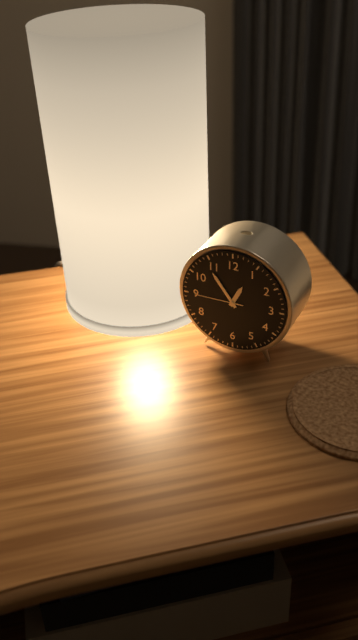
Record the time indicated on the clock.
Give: 12:54
